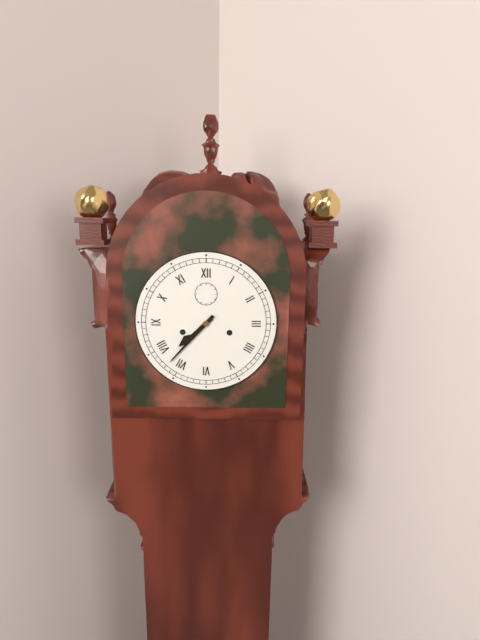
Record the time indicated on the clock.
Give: 7:37
